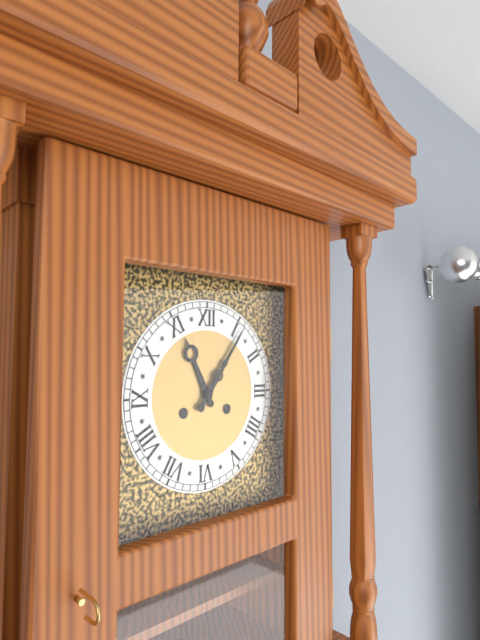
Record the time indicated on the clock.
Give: 11:06
